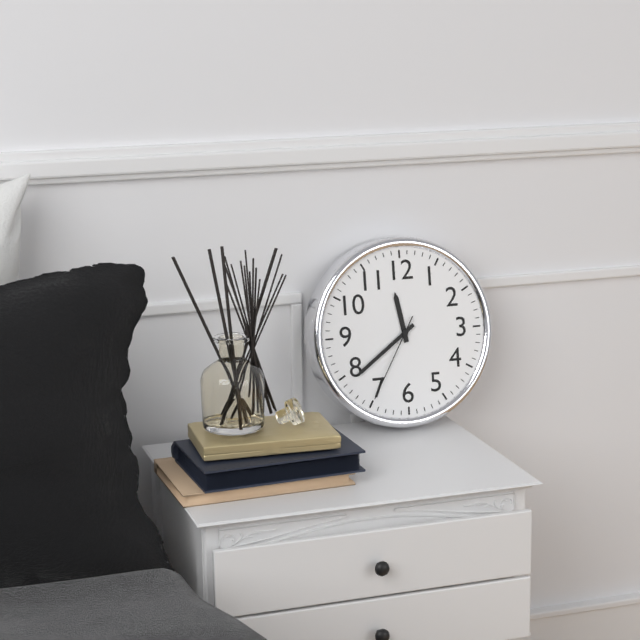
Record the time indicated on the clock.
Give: 11:39:35
